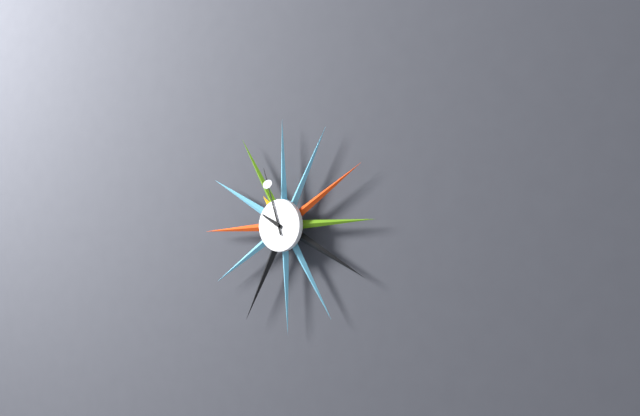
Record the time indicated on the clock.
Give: 9:57
